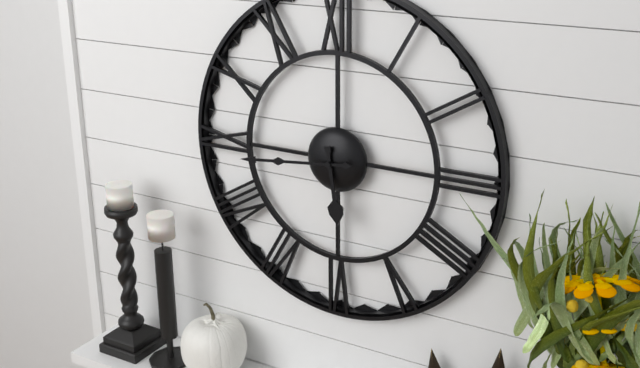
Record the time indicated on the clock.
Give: 5:44
